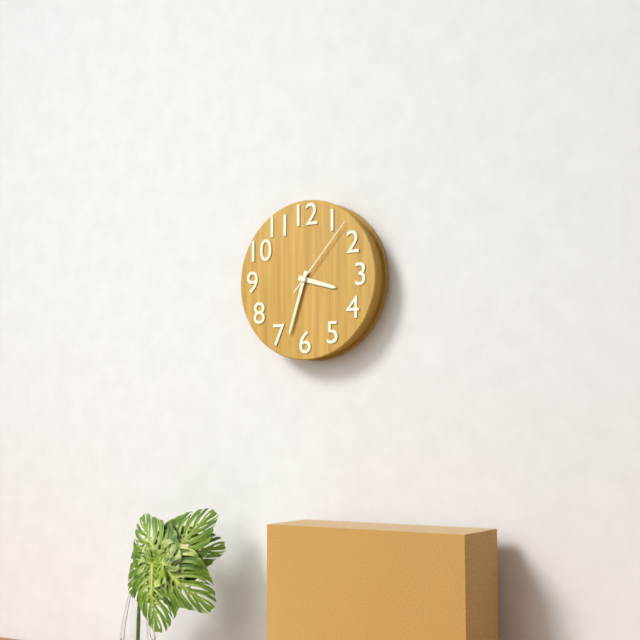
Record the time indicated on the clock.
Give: 3:33:07
